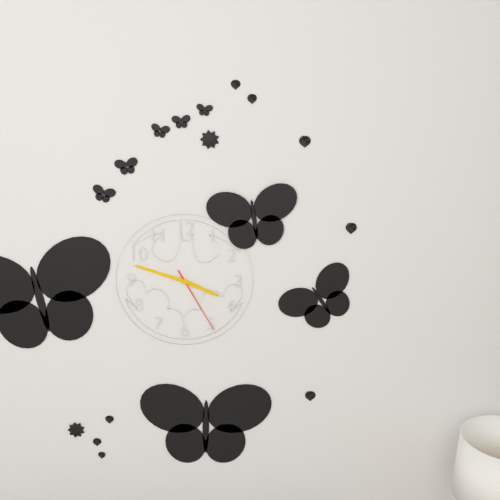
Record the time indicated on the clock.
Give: 3:48:25
